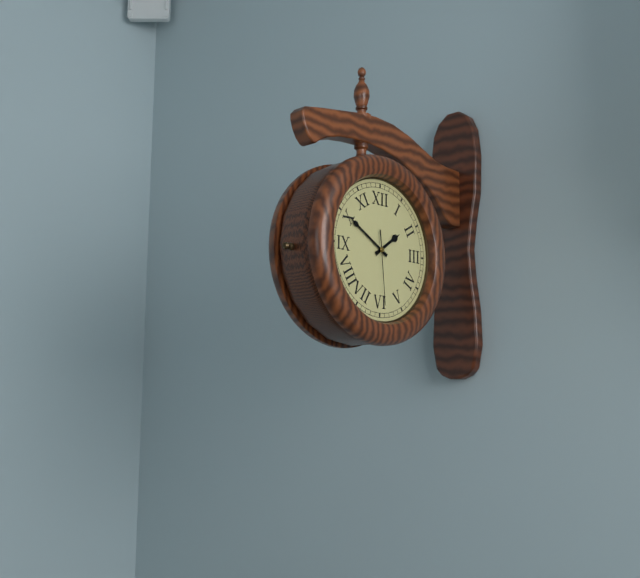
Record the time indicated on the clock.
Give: 1:50:29
